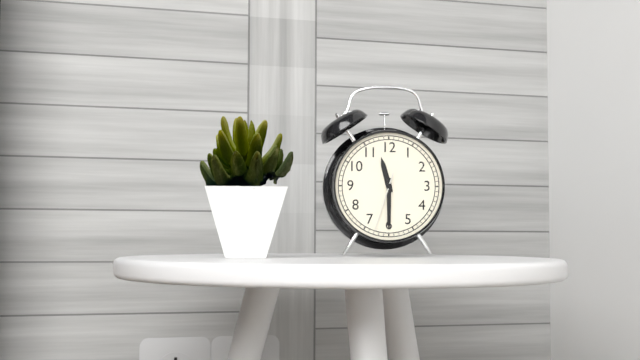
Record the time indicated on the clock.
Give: 11:30:33
